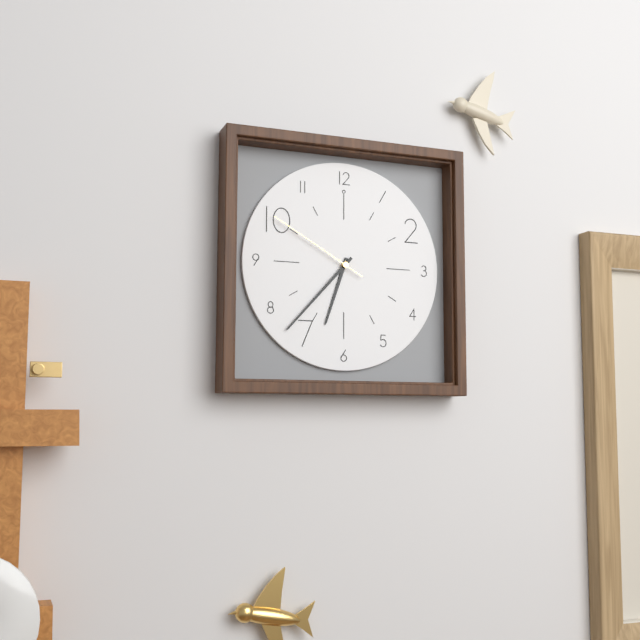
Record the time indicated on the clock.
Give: 6:37:50
